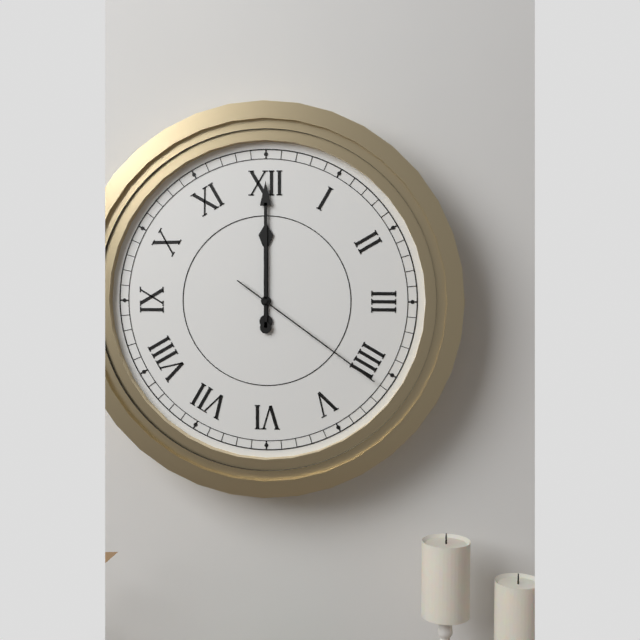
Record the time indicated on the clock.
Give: 12:00:21
